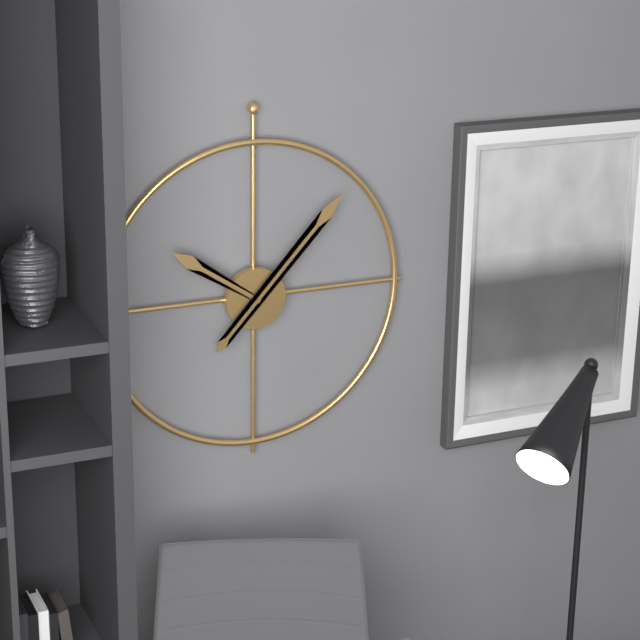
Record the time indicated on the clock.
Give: 10:07
